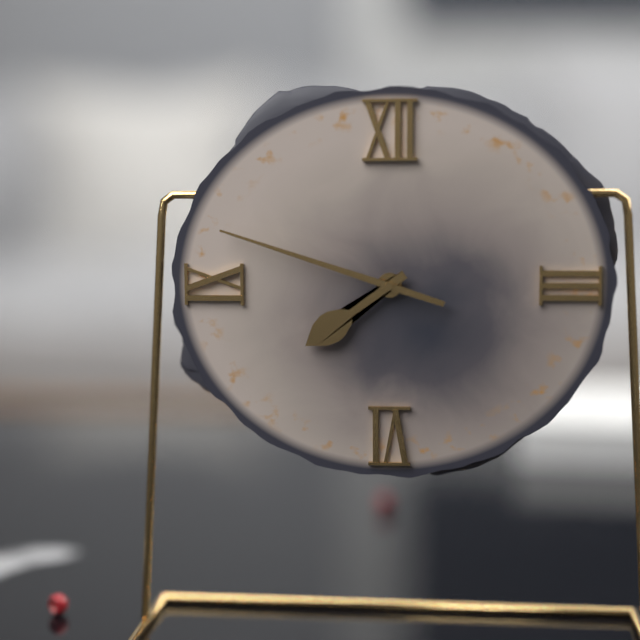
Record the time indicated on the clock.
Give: 7:48
